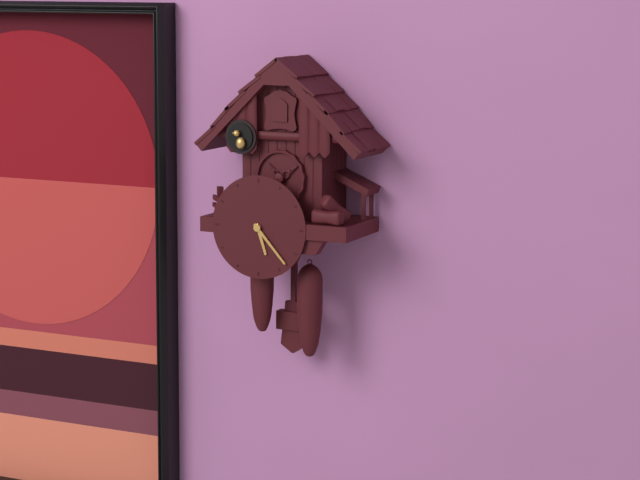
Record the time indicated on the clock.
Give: 5:23
